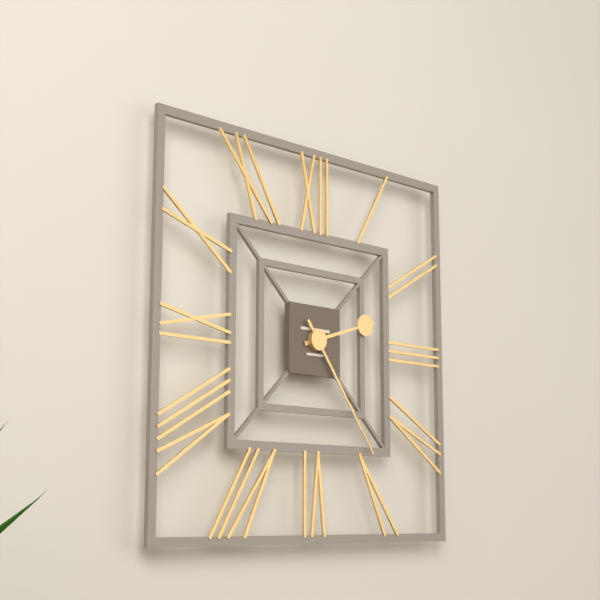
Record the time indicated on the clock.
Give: 2:24
